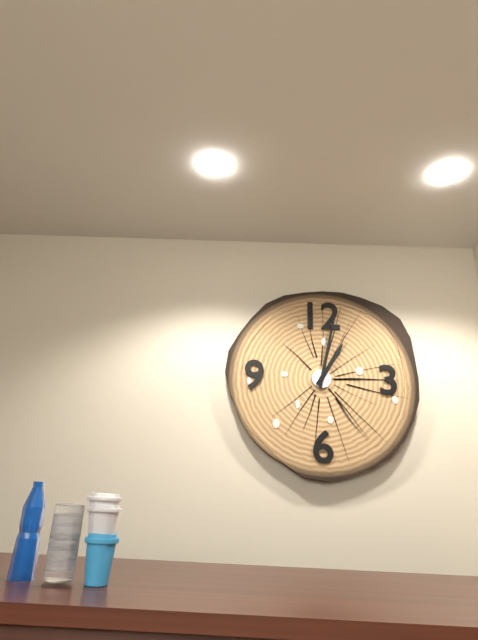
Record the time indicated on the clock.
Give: 1:02
